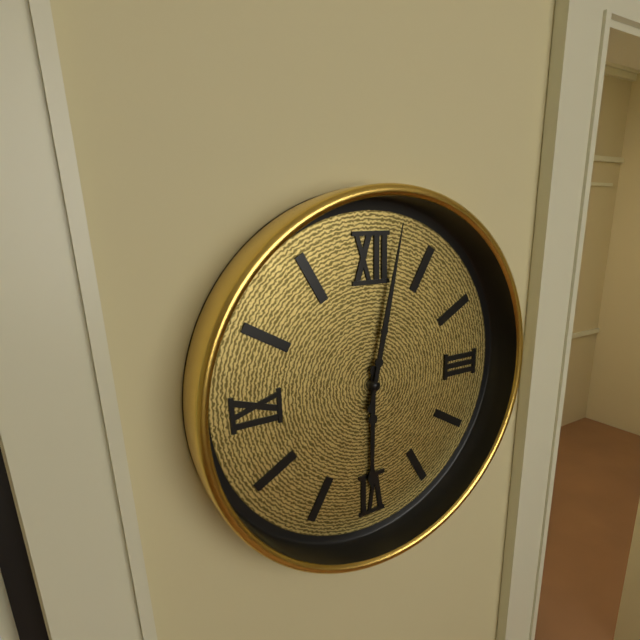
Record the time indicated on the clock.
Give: 6:02
